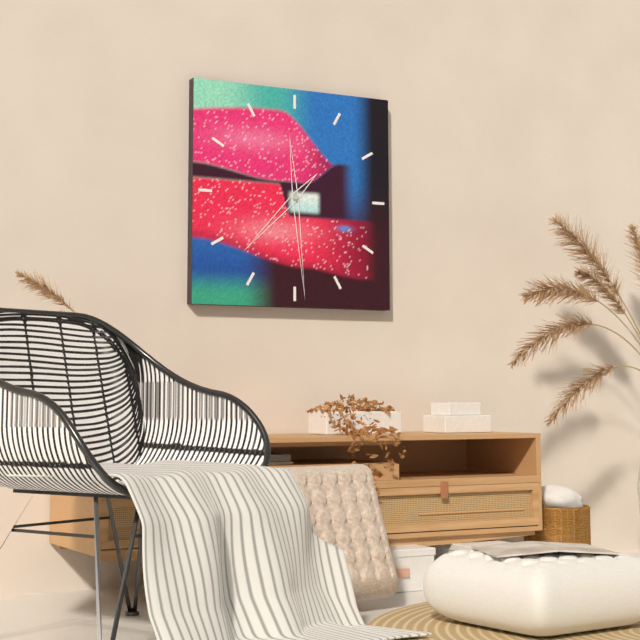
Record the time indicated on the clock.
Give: 7:29
